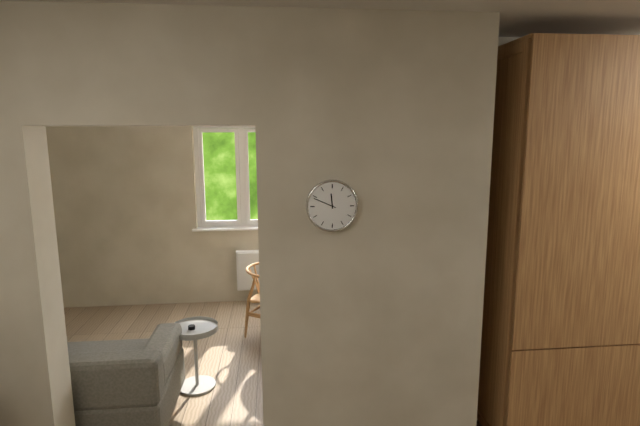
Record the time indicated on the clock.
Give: 11:49
